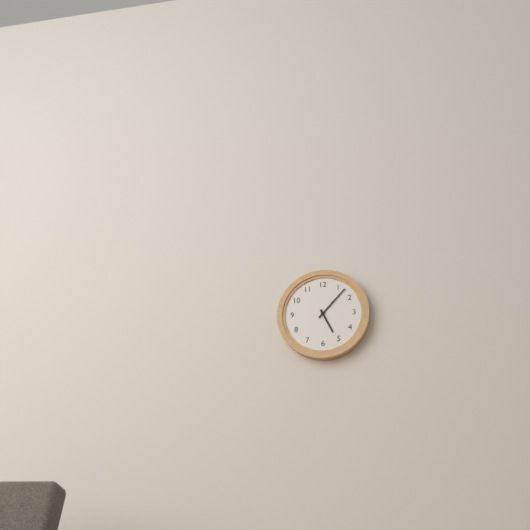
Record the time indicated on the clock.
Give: 5:07
